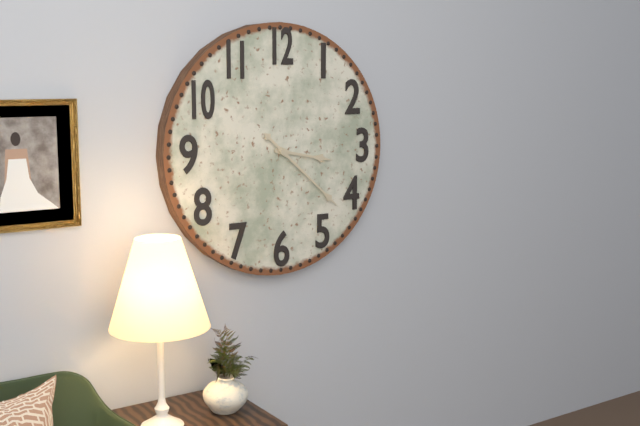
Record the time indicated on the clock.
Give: 3:22
